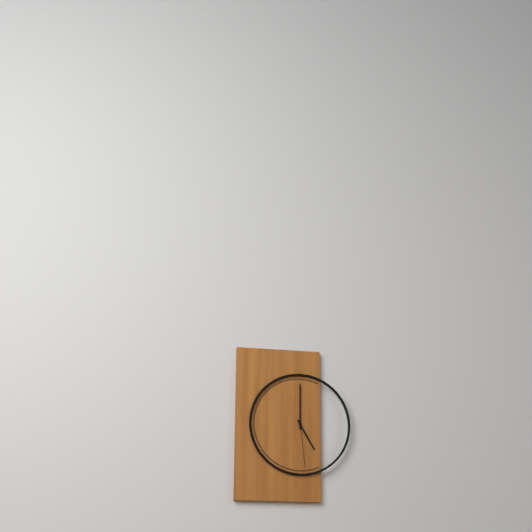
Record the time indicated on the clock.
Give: 5:00:29
